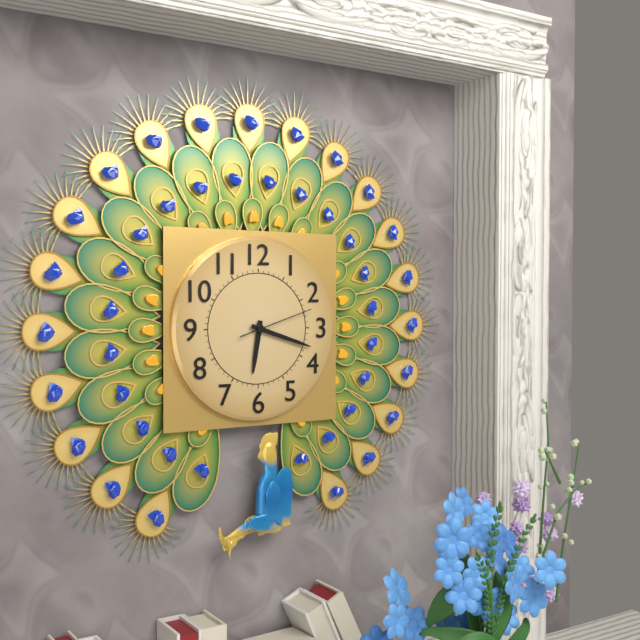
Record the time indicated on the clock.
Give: 6:18:12
